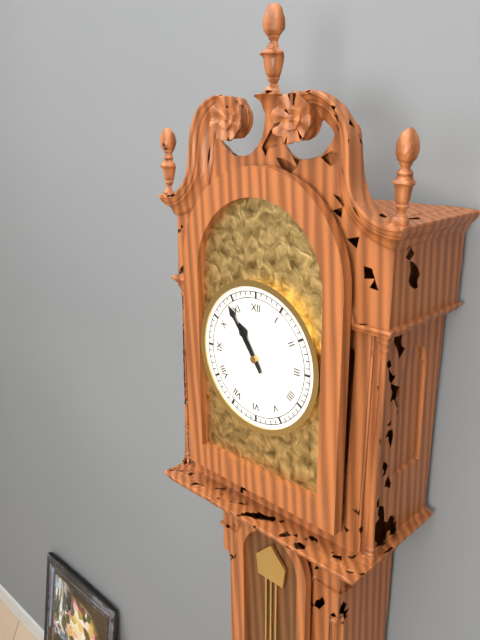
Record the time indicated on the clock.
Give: 10:54
